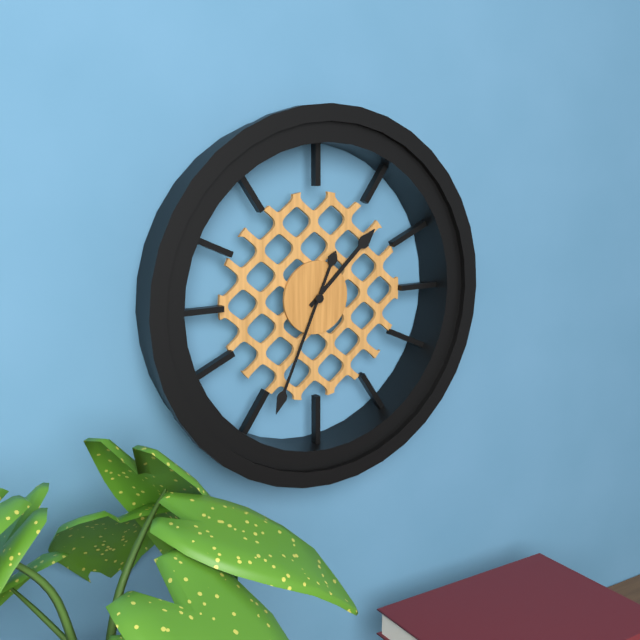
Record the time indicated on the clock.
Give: 1:34
